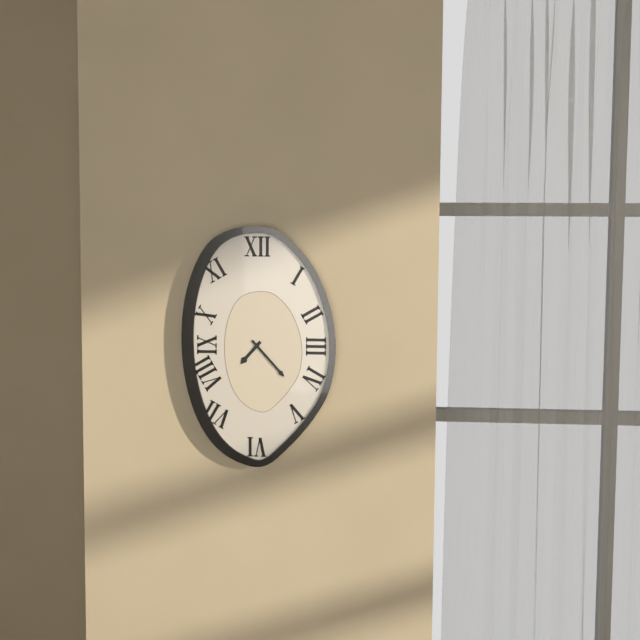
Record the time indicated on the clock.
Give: 7:23
